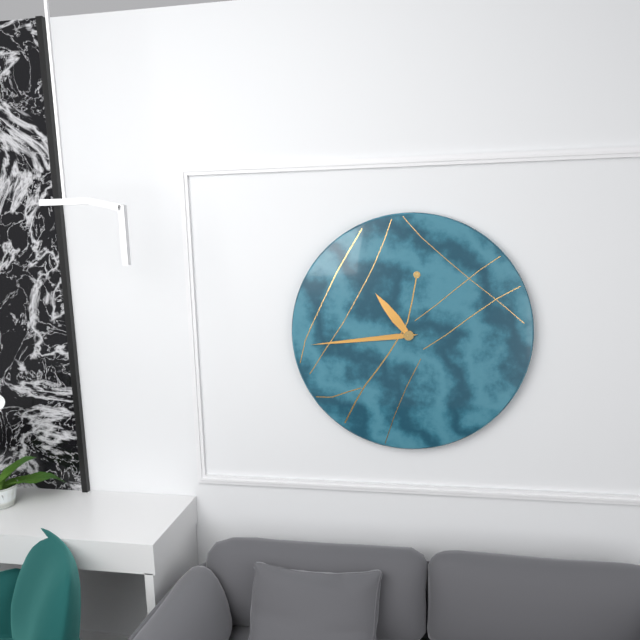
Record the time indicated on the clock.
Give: 10:44
